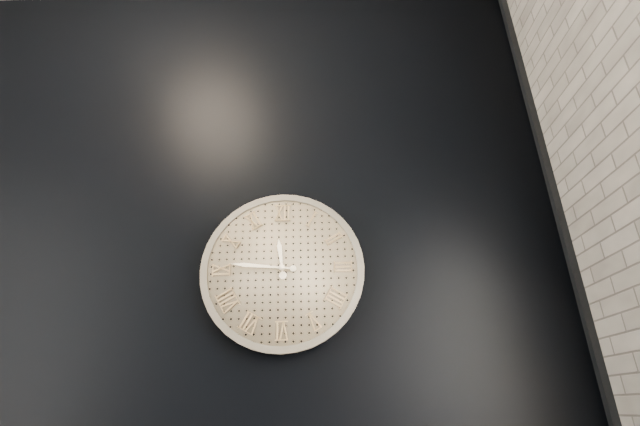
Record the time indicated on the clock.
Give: 11:46
